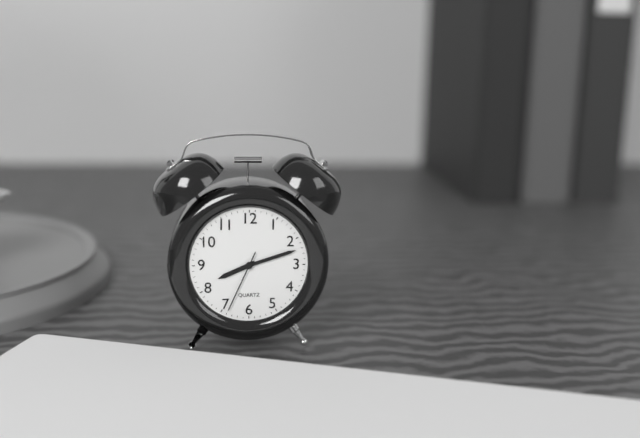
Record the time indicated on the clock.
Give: 8:12:34
